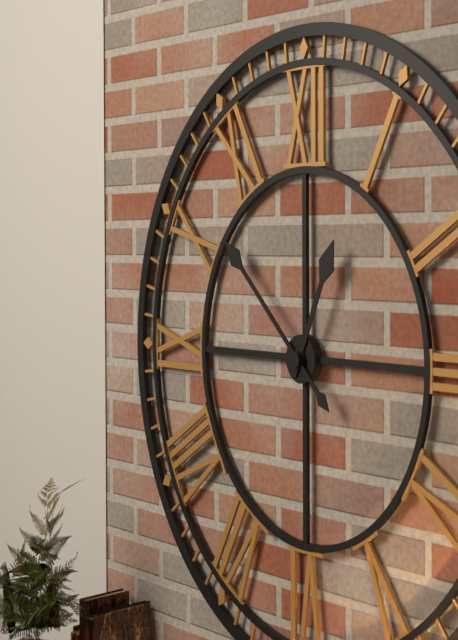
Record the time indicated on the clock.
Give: 12:52
